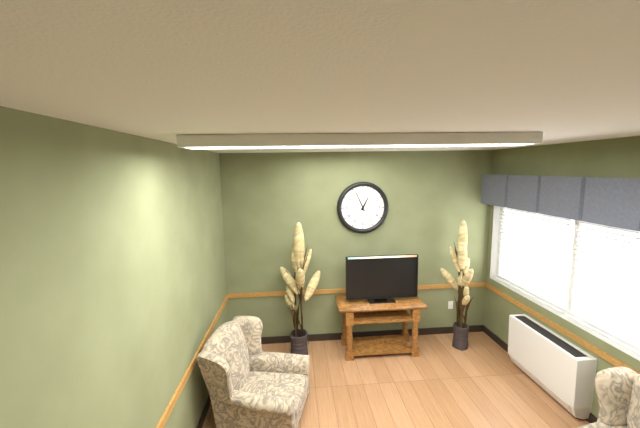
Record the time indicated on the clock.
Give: 12:56
